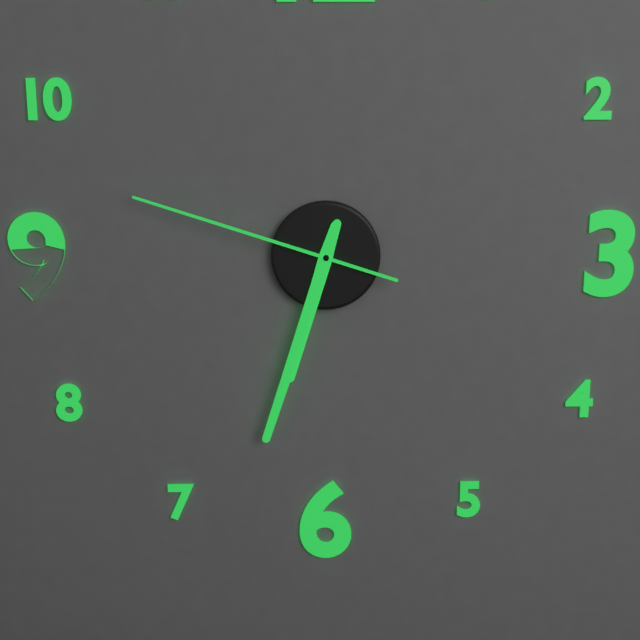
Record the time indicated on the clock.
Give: 6:33:48
